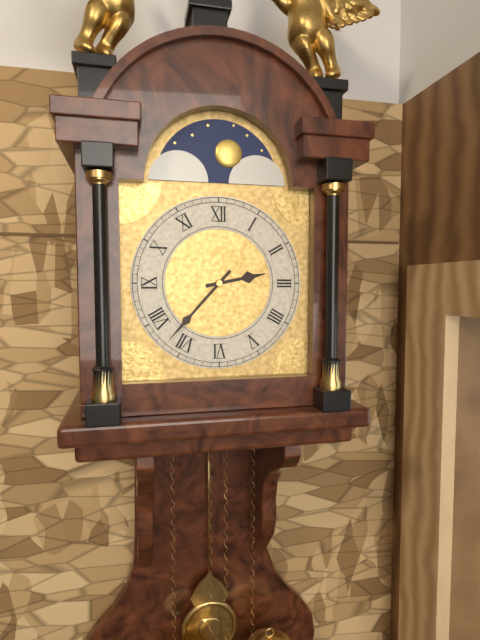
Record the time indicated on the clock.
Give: 2:37
